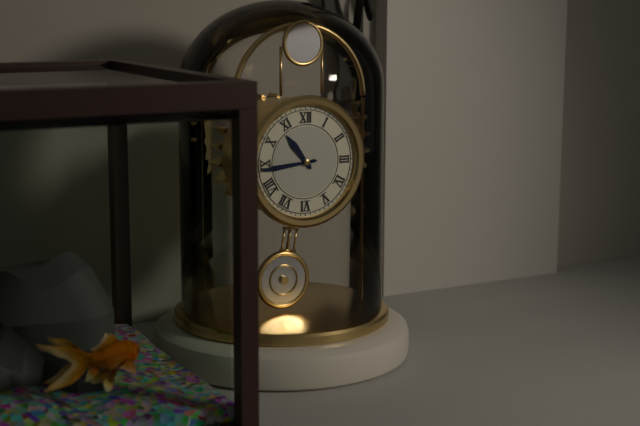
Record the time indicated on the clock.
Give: 10:44
